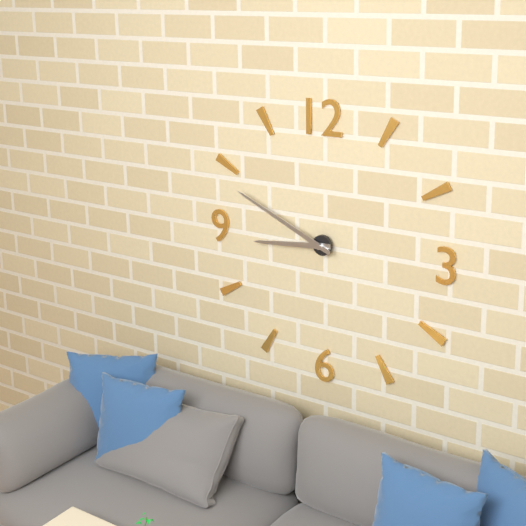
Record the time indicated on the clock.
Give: 8:49
